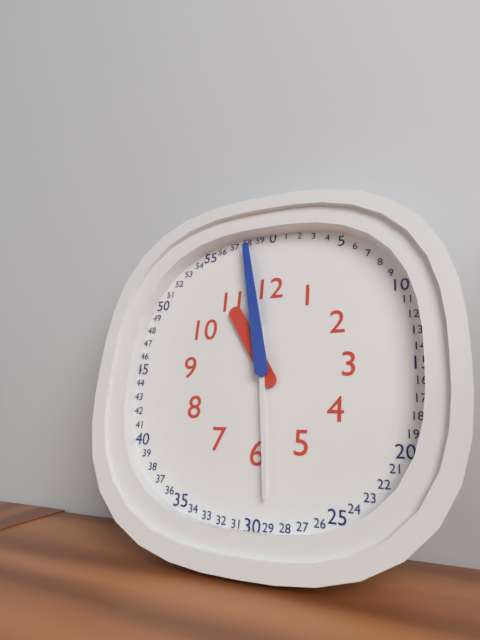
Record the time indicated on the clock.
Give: 10:58:29
